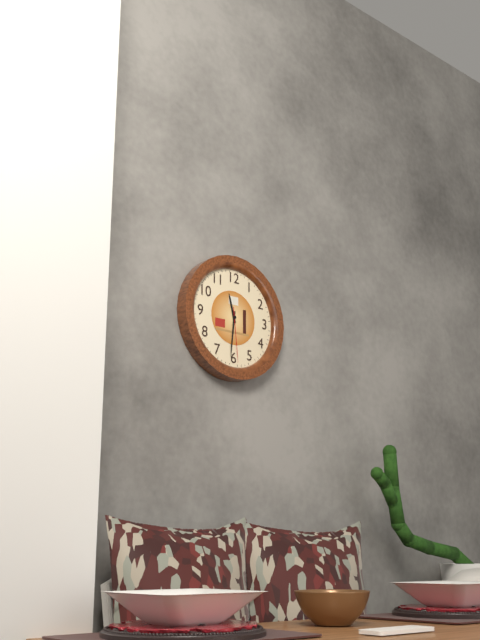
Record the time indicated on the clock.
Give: 11:31:29
